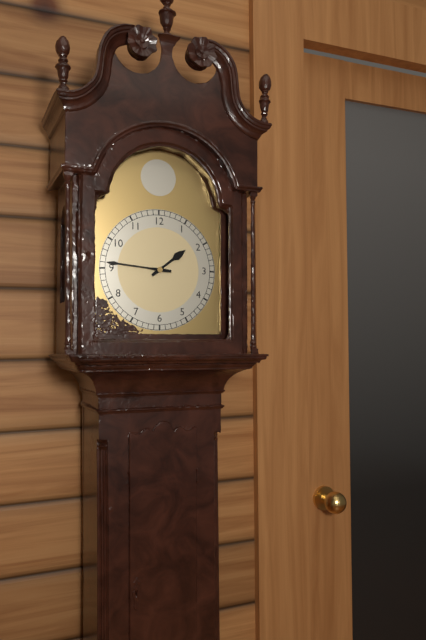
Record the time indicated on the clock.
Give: 1:46
